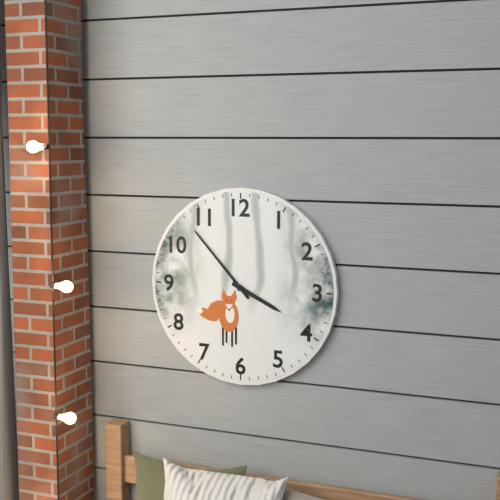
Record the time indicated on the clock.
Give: 3:53
